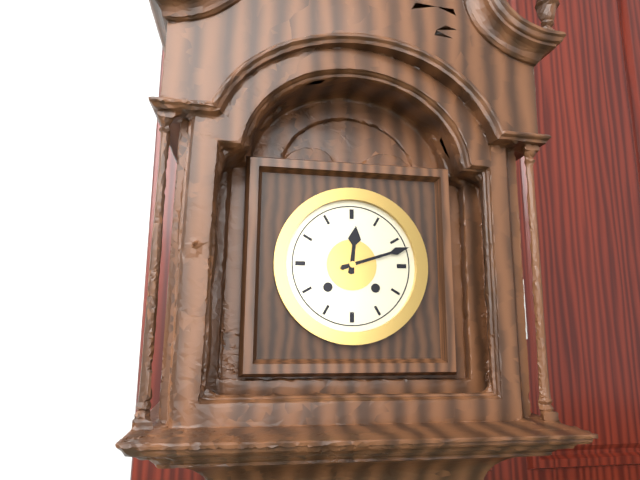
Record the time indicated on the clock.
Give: 12:12
